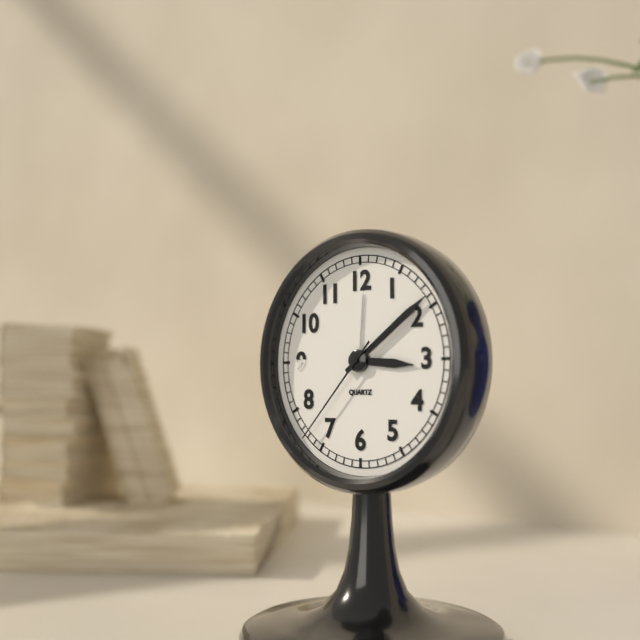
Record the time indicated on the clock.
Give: 3:09:37
